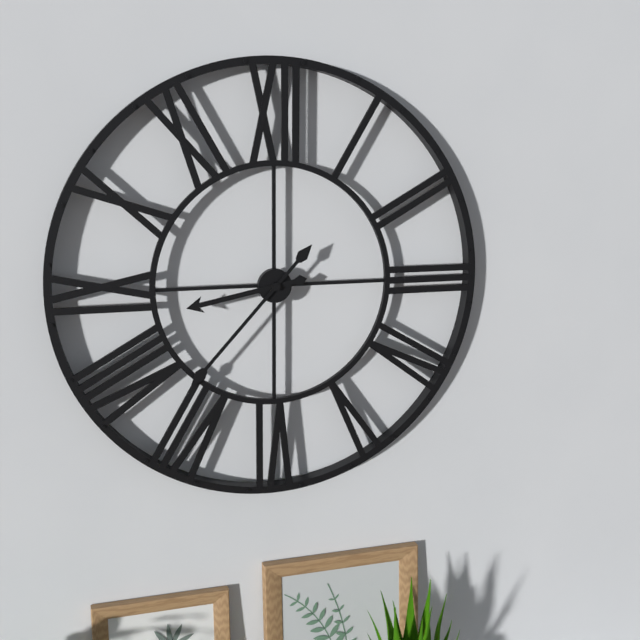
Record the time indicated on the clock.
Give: 8:37
